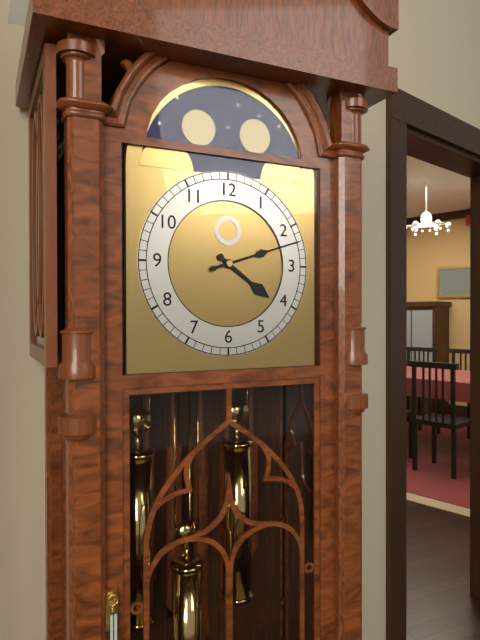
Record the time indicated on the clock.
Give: 4:12
